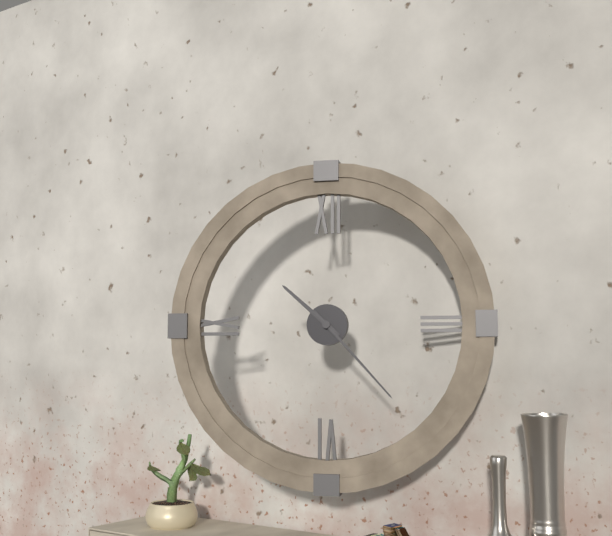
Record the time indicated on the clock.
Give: 10:23
